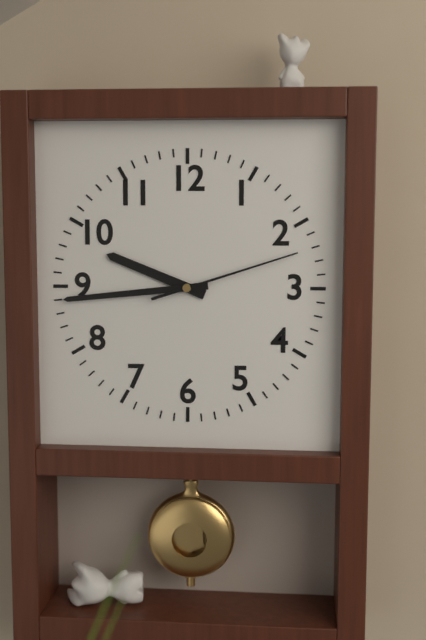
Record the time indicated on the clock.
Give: 9:44:12
